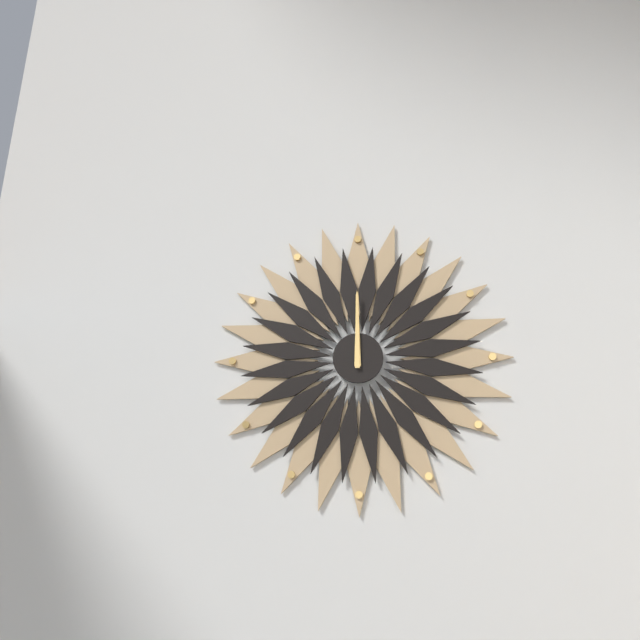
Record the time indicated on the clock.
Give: 12:00
